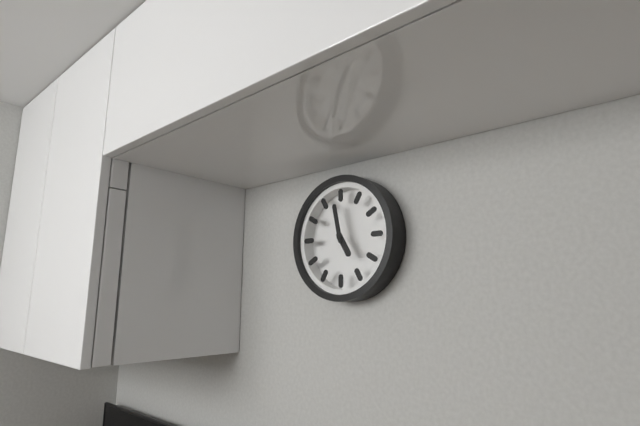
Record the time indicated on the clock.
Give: 4:58
